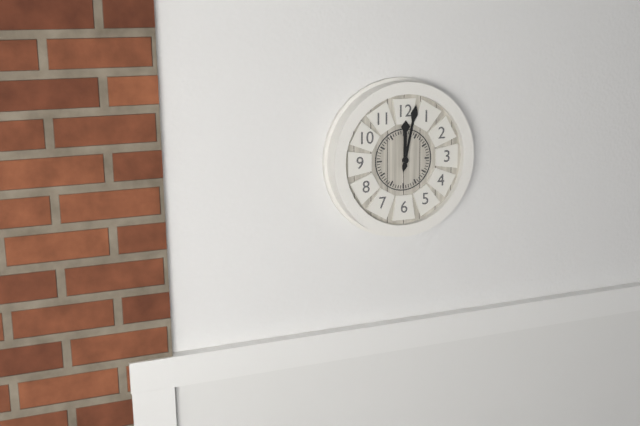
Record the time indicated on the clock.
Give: 12:02
